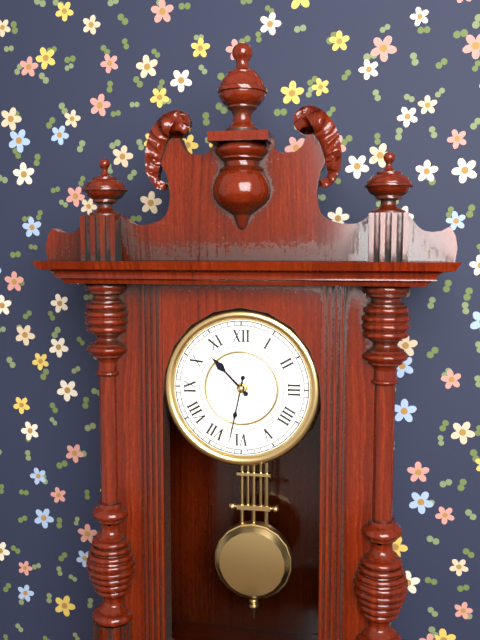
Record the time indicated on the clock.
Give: 10:32
